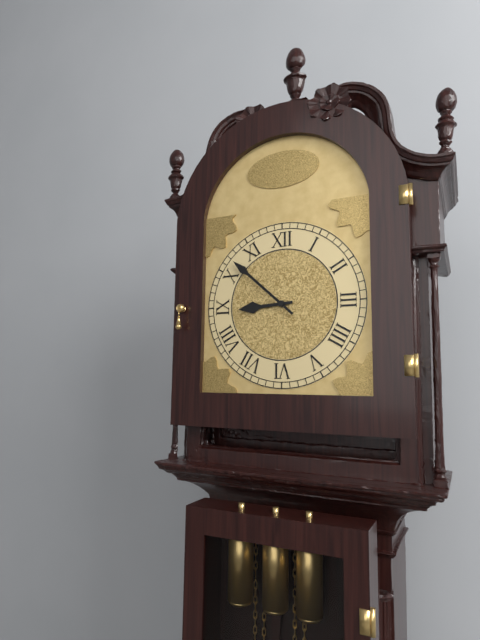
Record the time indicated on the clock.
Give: 8:52
